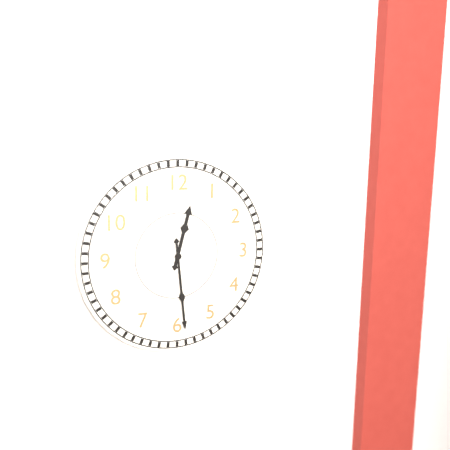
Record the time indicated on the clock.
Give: 12:29
